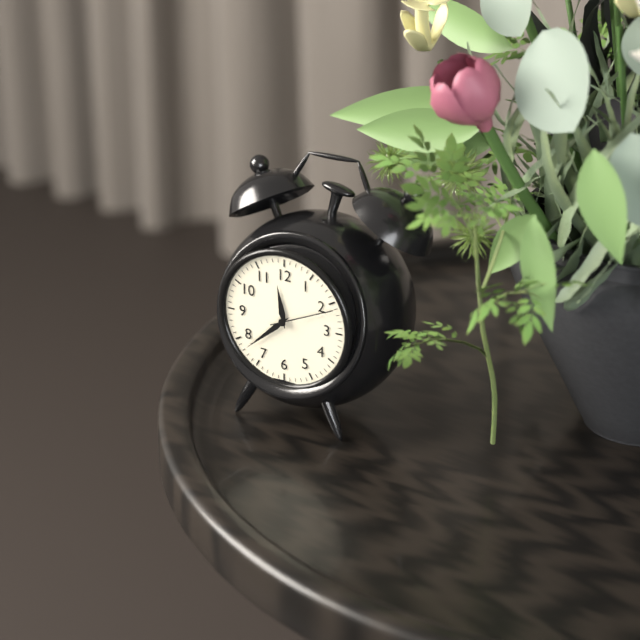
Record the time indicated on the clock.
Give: 11:38:11
